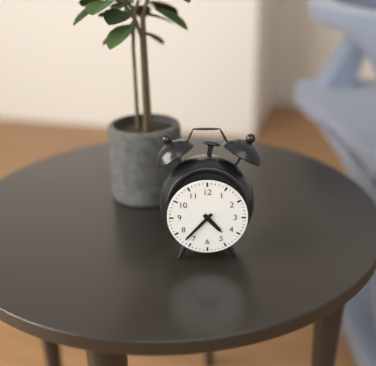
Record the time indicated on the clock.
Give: 4:37
